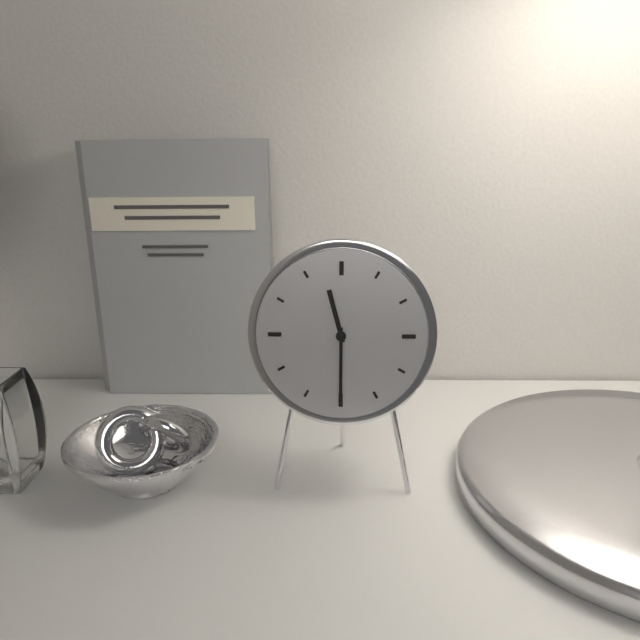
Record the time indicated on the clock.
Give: 11:30
